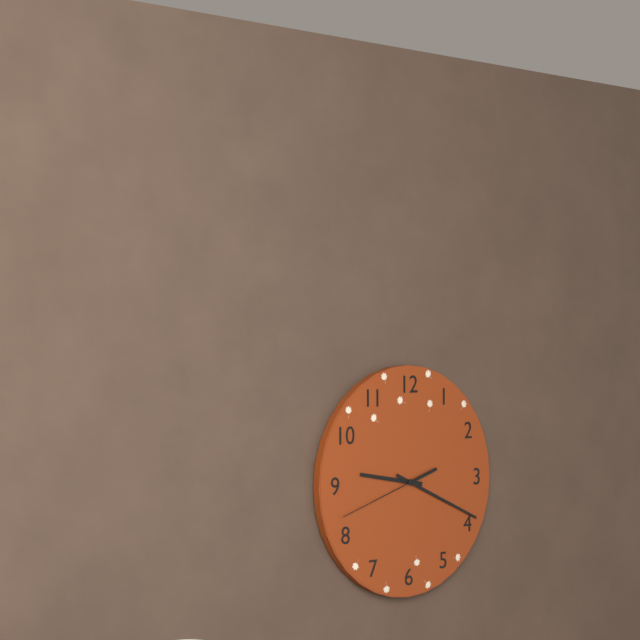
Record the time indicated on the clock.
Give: 9:19:42
